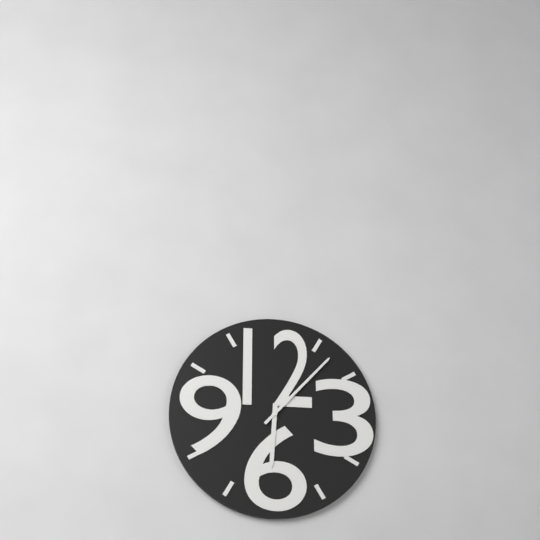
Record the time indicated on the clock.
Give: 6:07
